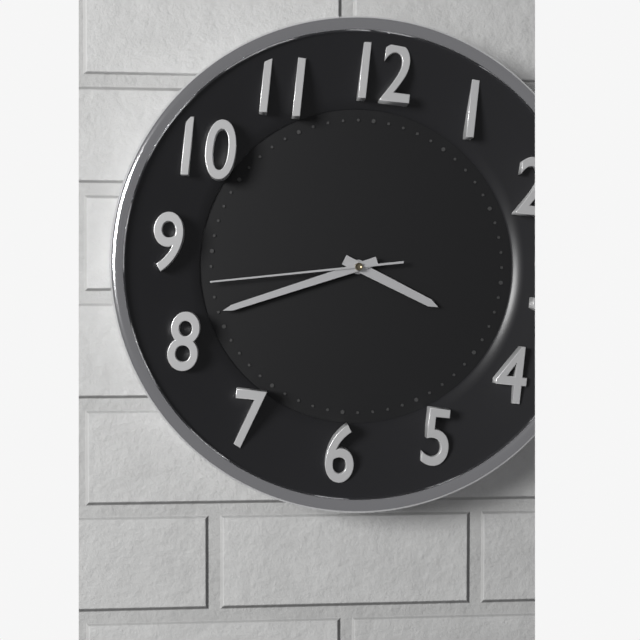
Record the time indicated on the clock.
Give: 3:41:43
